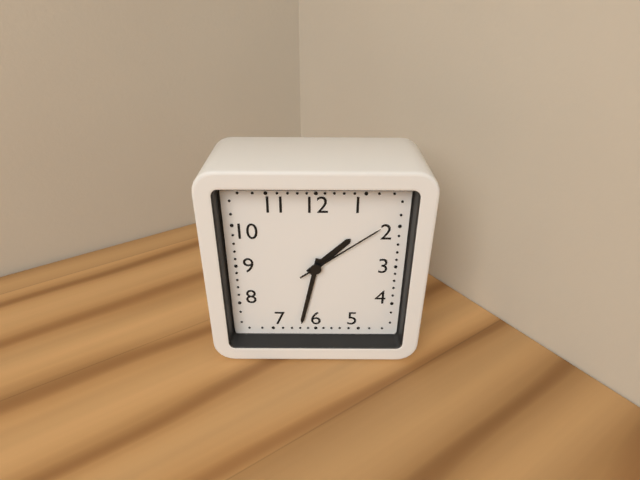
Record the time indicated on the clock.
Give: 1:32:09
